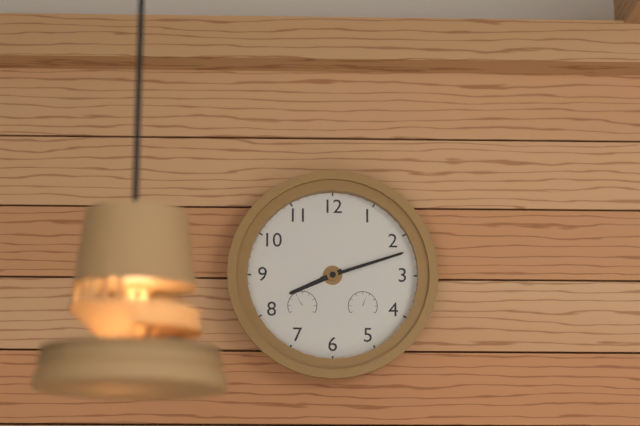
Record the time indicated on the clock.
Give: 8:12
